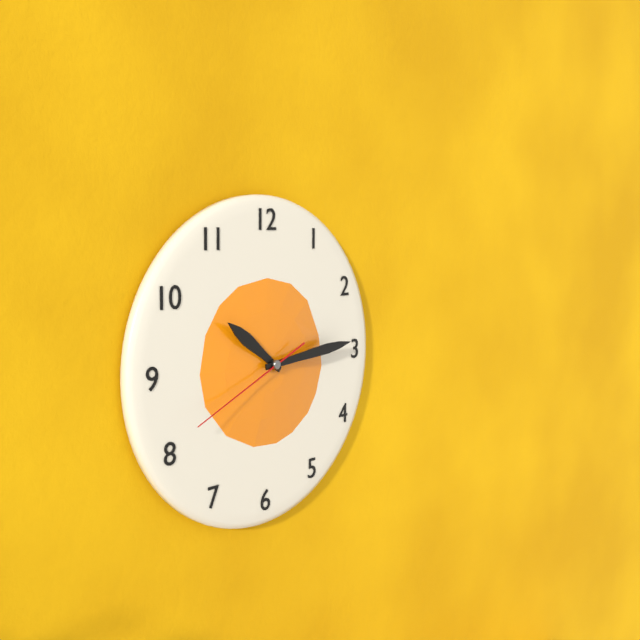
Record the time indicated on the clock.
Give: 10:14:41
